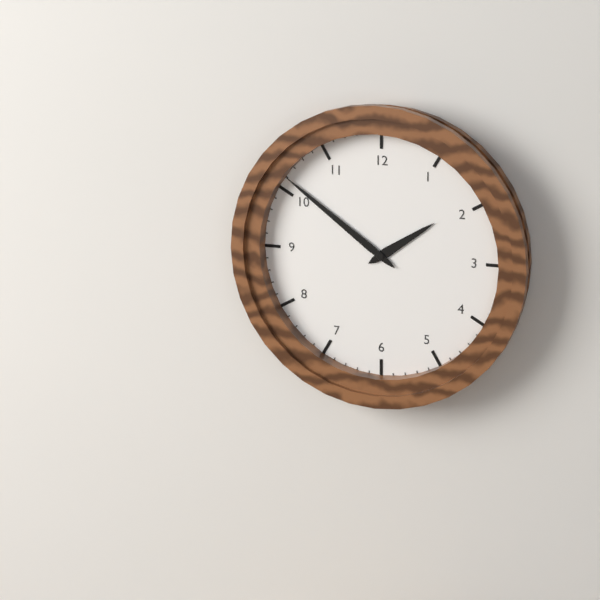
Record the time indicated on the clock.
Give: 1:51
